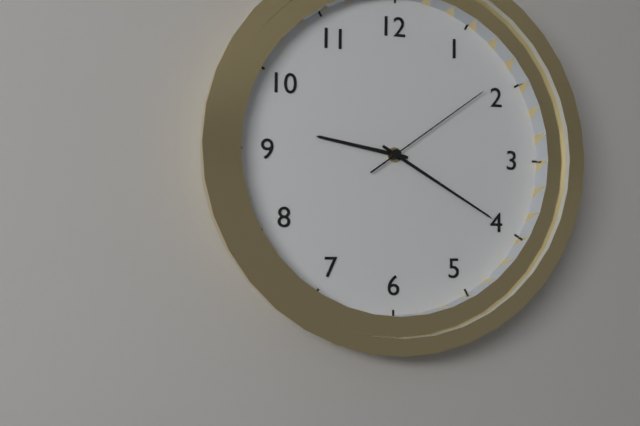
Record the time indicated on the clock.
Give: 9:20:09
